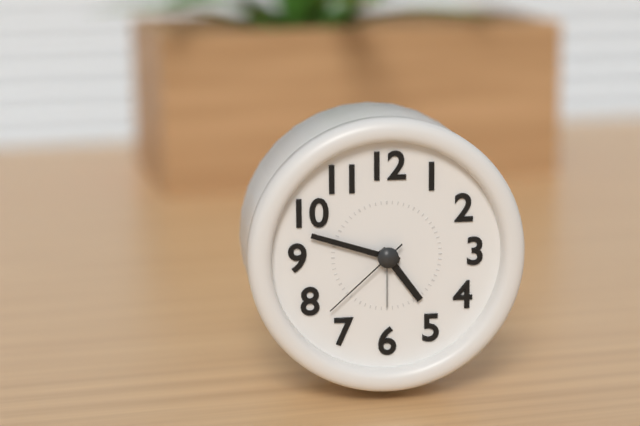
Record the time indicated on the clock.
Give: 4:48:38
